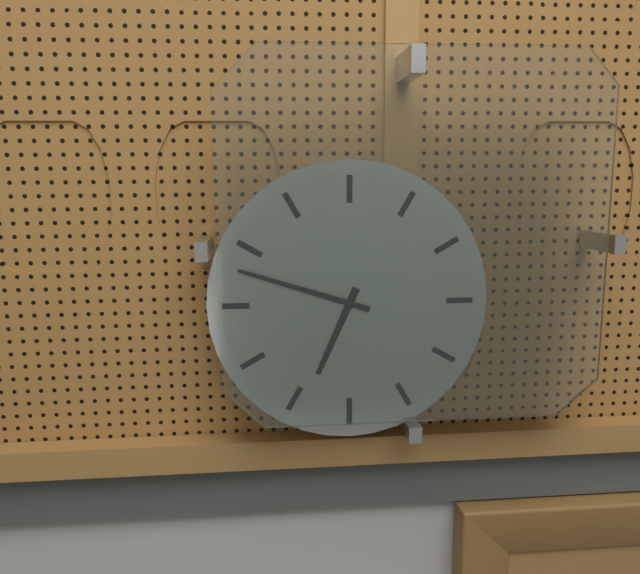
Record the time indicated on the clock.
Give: 6:48
